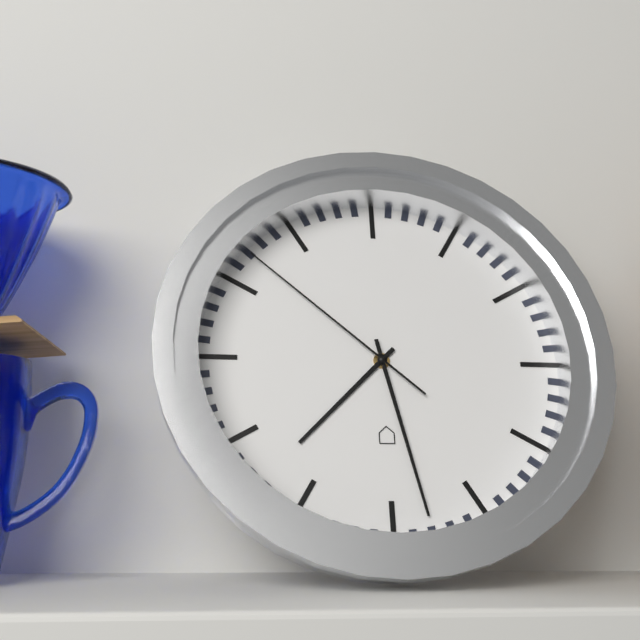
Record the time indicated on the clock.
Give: 7:28:52
